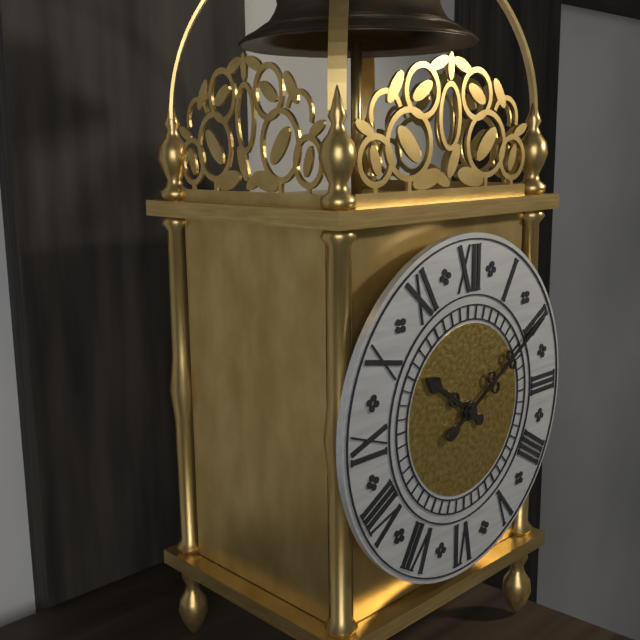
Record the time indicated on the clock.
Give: 10:10
